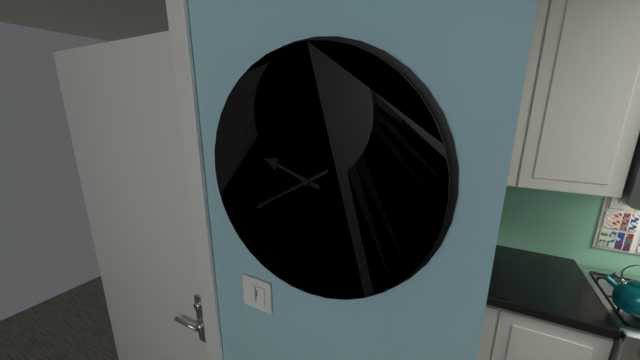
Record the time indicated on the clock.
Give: 9:40
